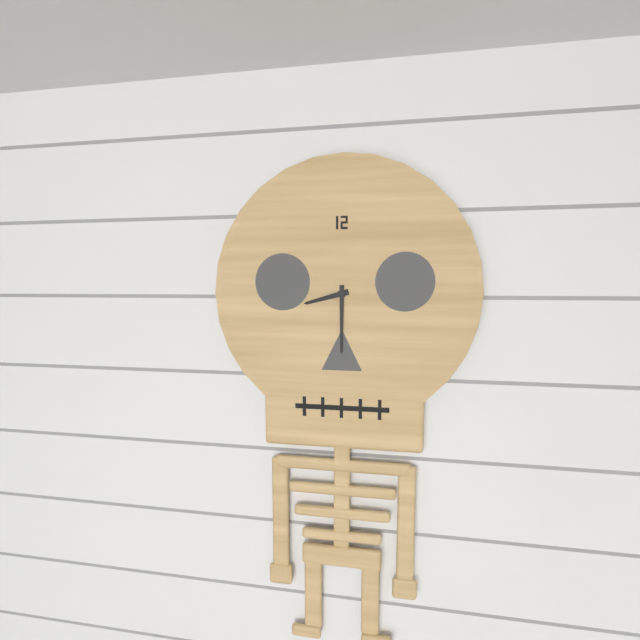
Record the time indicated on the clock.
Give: 8:30
